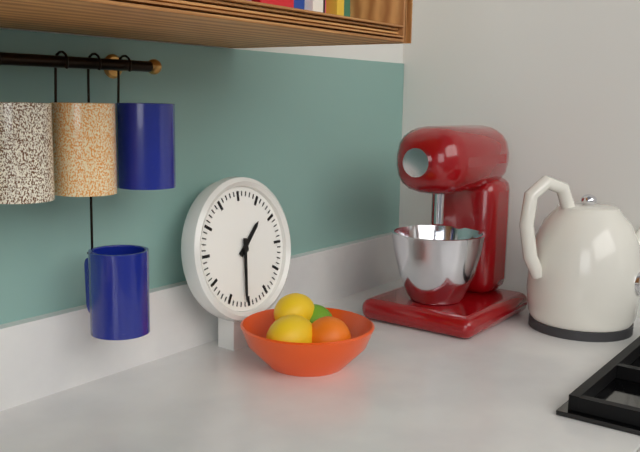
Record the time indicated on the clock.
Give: 1:31
